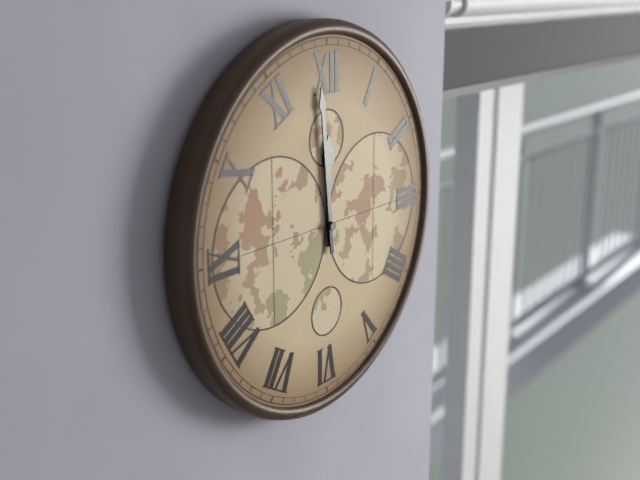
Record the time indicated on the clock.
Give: 11:59
